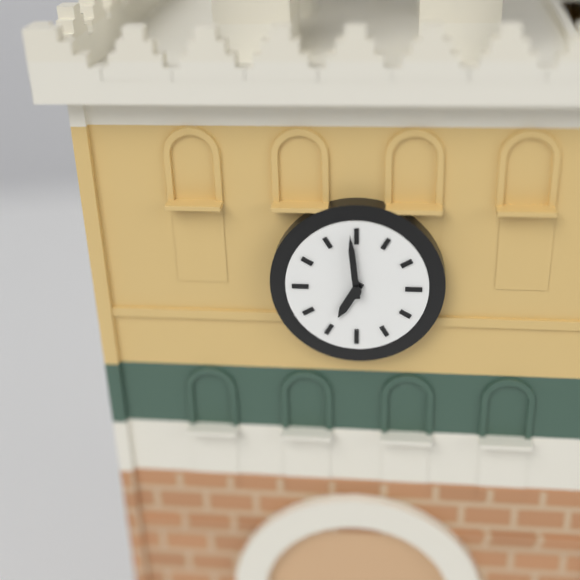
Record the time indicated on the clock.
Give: 6:59
